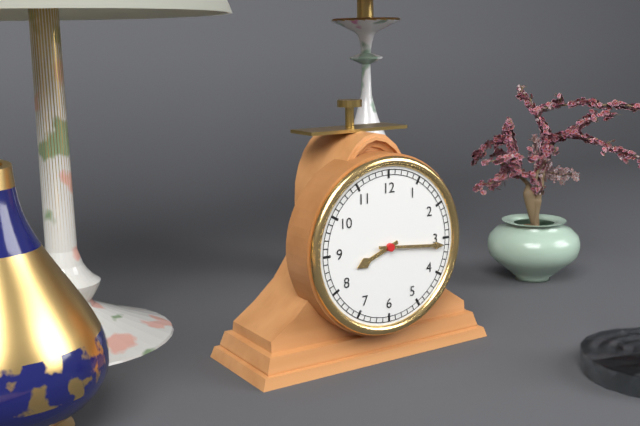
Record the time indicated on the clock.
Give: 8:16
